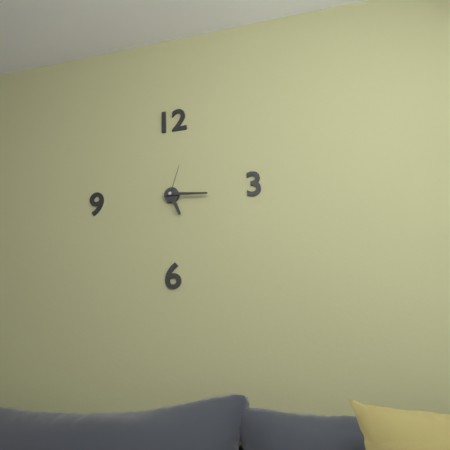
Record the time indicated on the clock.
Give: 5:16
